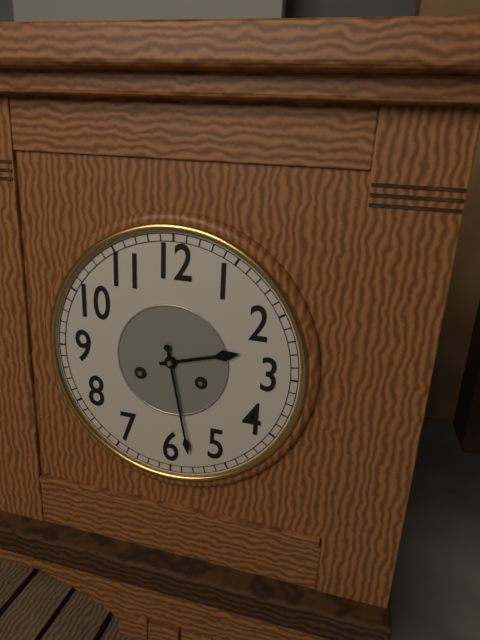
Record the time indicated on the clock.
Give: 2:28
